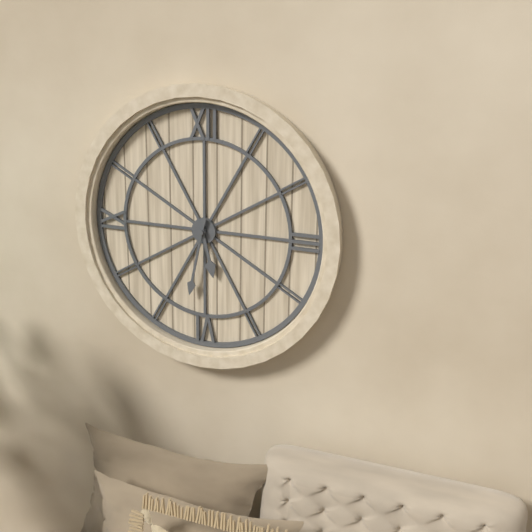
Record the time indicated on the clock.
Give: 5:32
